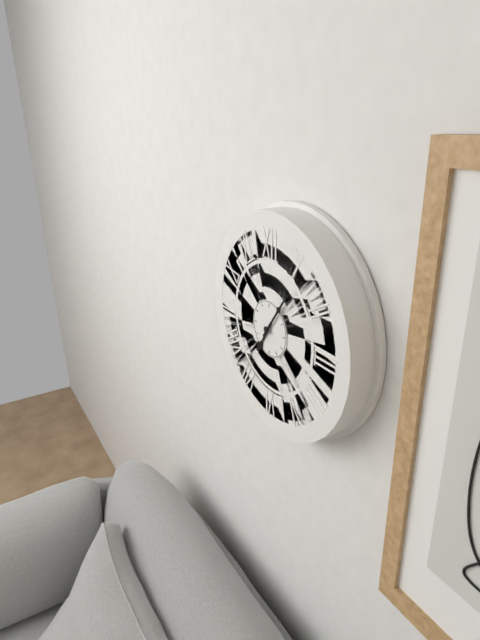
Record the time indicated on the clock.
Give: 7:06
